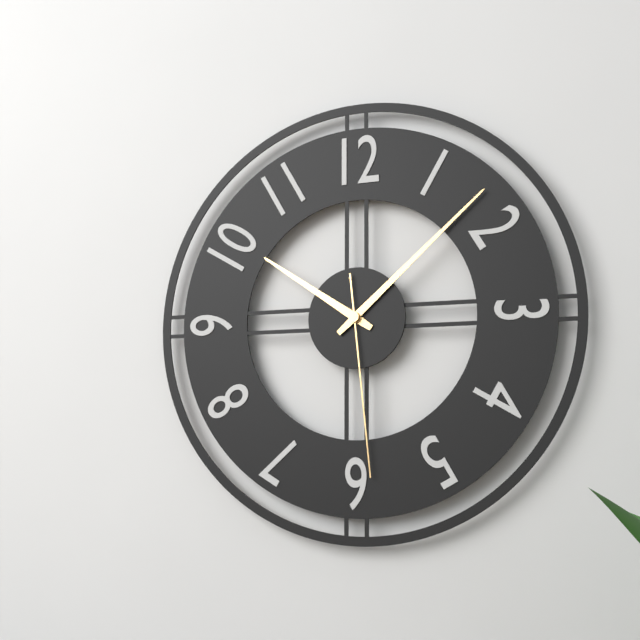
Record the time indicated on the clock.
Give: 10:08:29
